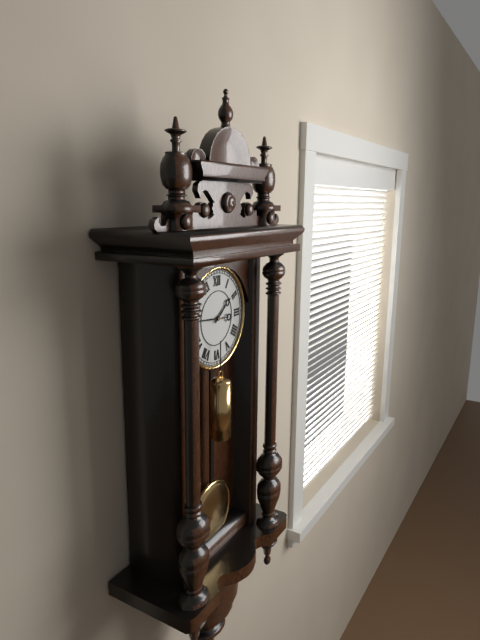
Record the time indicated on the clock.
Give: 1:46
